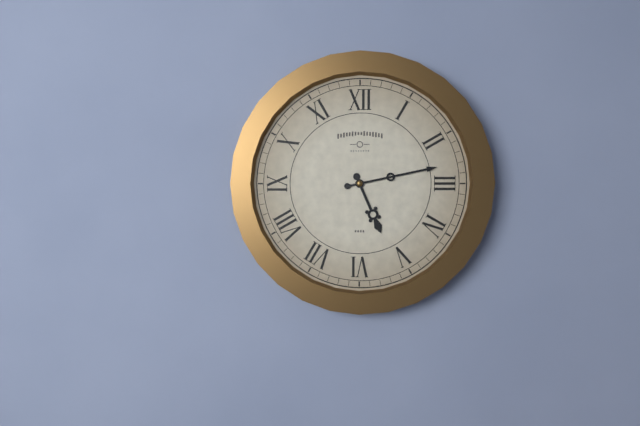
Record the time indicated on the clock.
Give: 5:13
